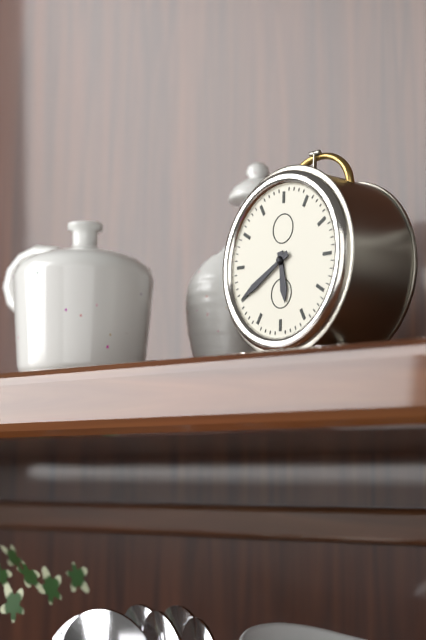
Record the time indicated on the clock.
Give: 5:40
